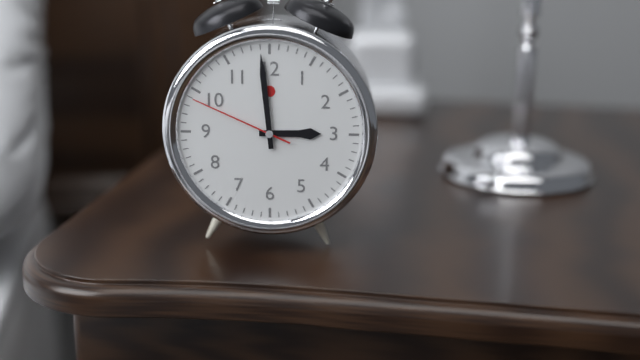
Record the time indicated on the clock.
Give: 2:59:49
